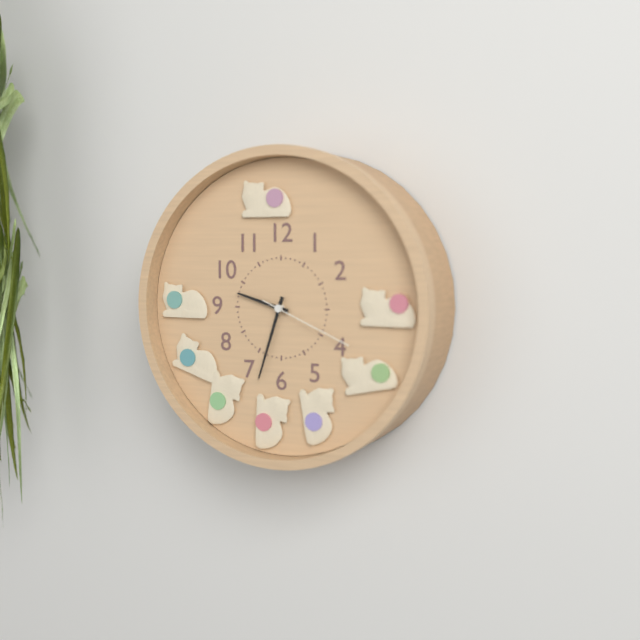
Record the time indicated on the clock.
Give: 9:33:19
